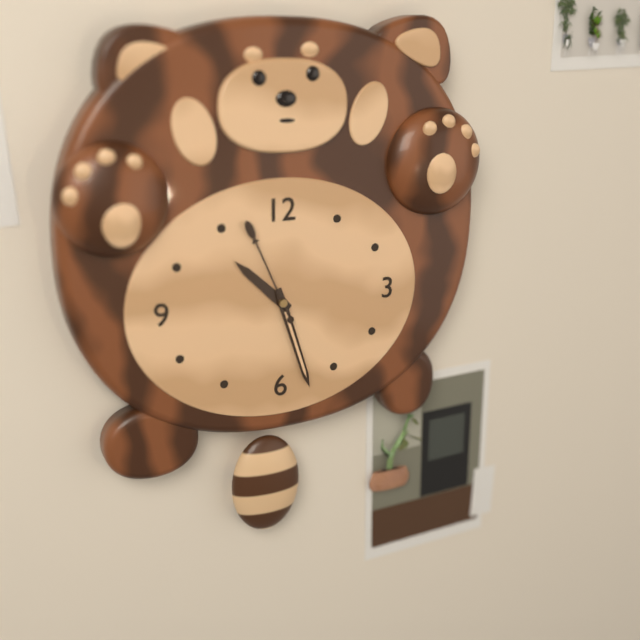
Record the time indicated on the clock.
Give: 10:27:56
